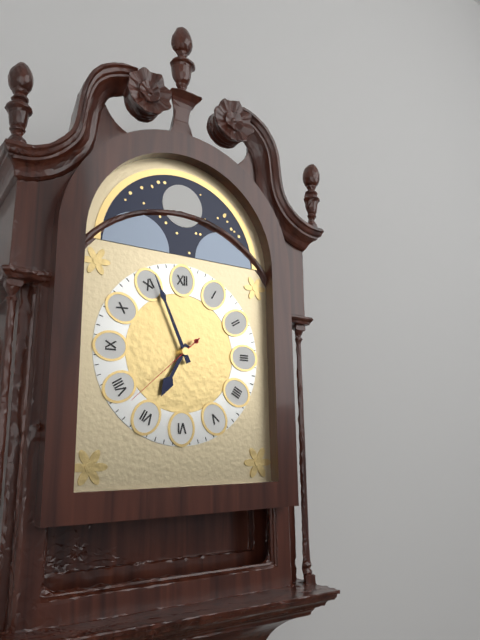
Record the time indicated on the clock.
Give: 6:56:38
